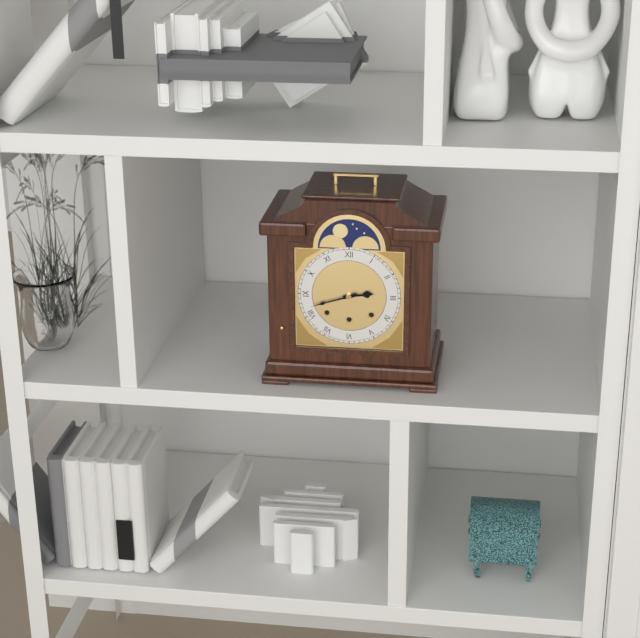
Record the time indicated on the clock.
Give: 2:42
